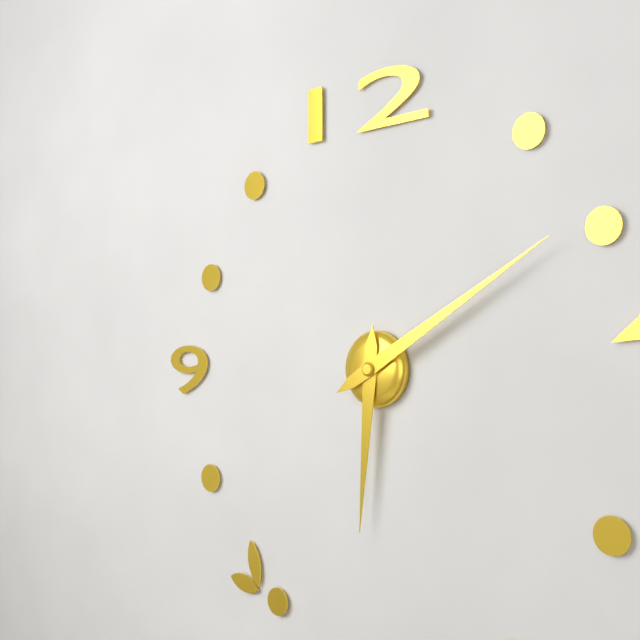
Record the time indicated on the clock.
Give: 6:10
